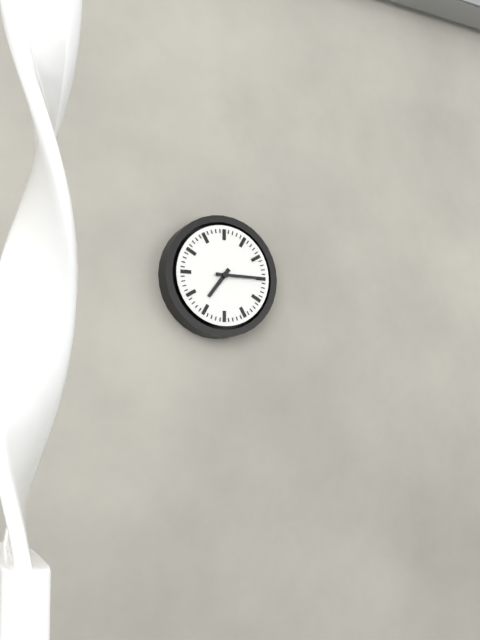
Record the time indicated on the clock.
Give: 7:15
